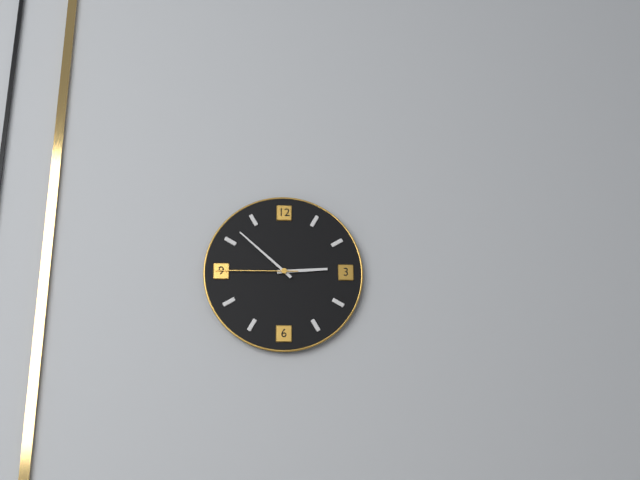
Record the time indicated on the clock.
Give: 2:52:45
